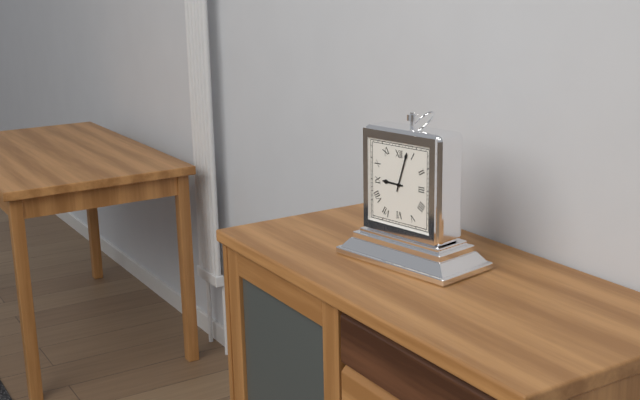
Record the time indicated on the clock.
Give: 9:03
